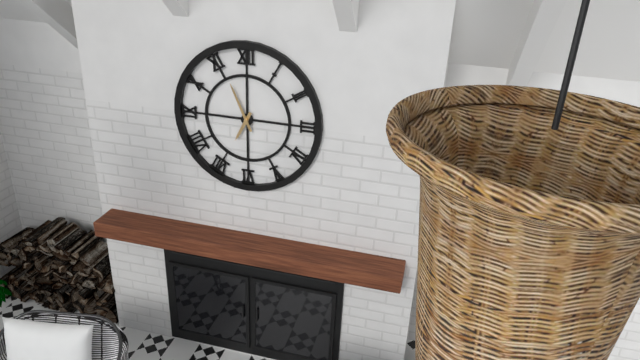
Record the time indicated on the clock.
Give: 6:56
